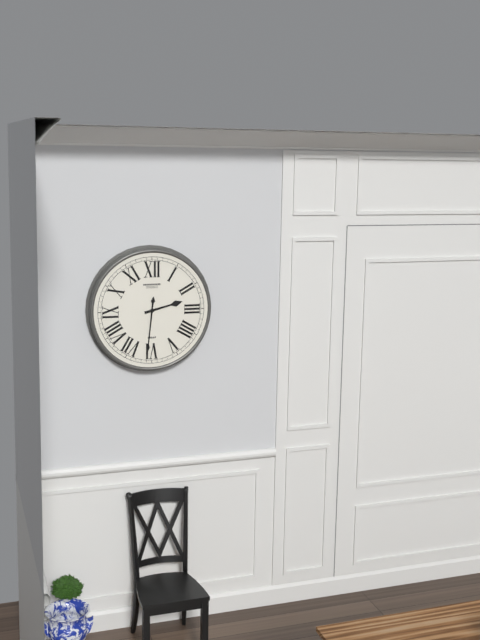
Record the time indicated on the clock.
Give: 2:31
